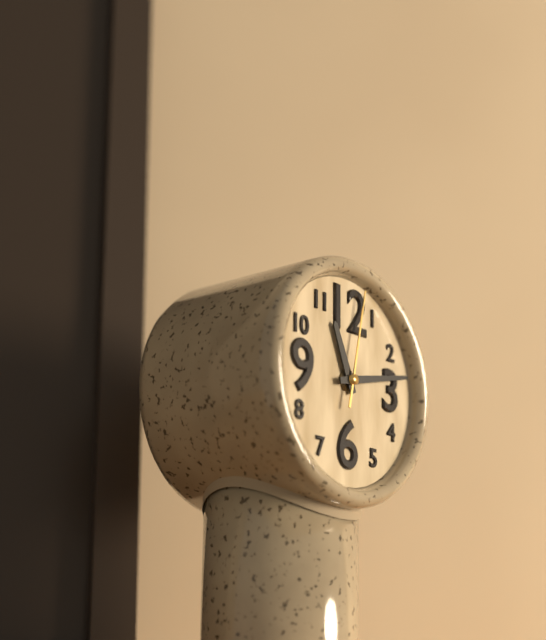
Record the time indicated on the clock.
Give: 11:13:02
